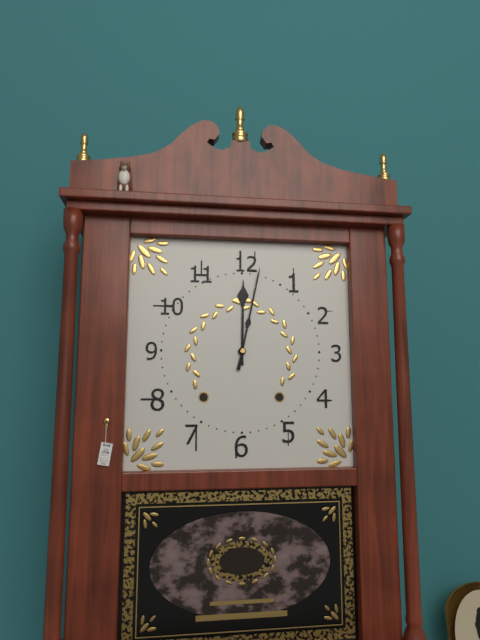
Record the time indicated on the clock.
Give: 12:02
